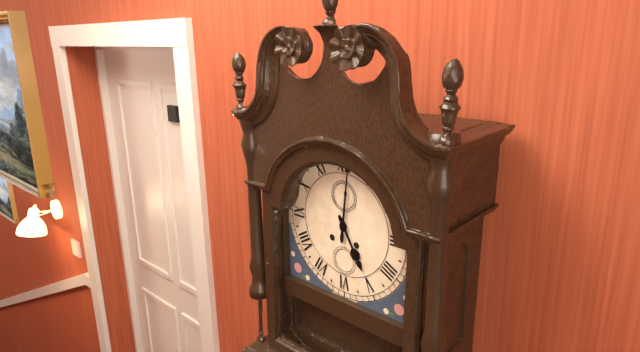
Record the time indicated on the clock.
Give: 5:01
